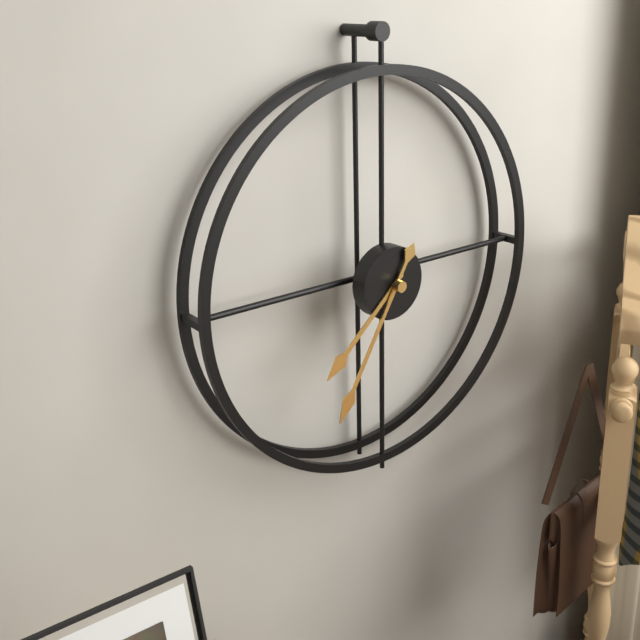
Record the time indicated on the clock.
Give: 7:35
